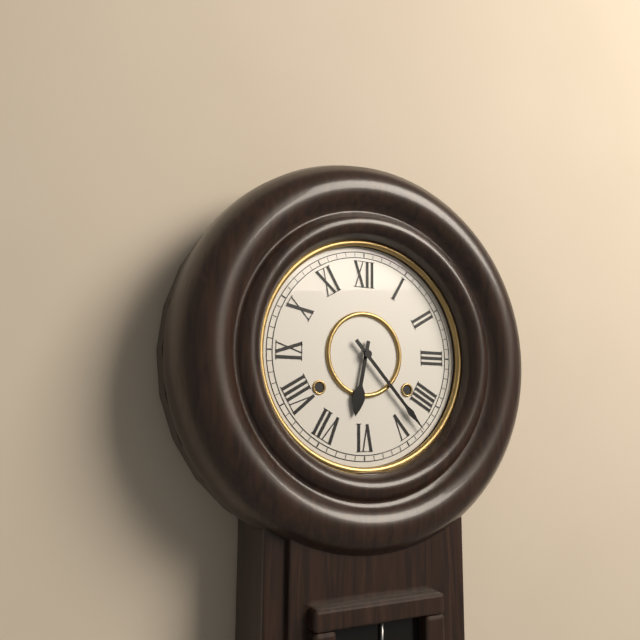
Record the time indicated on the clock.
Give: 6:23
